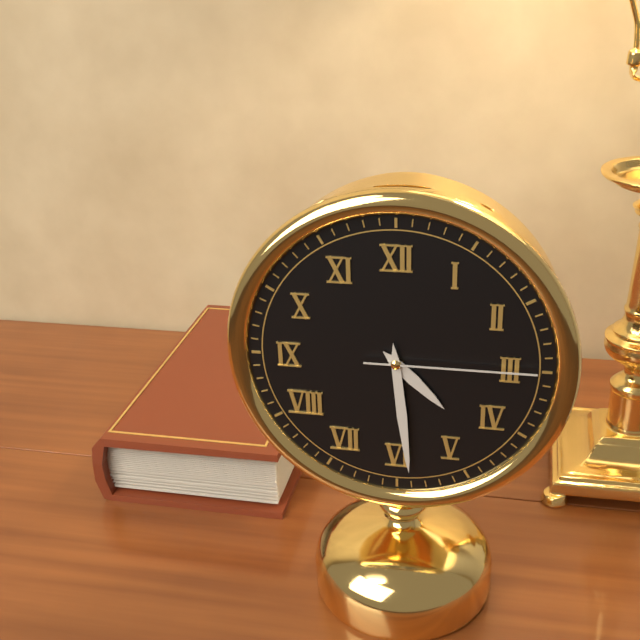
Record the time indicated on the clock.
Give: 4:29:15
